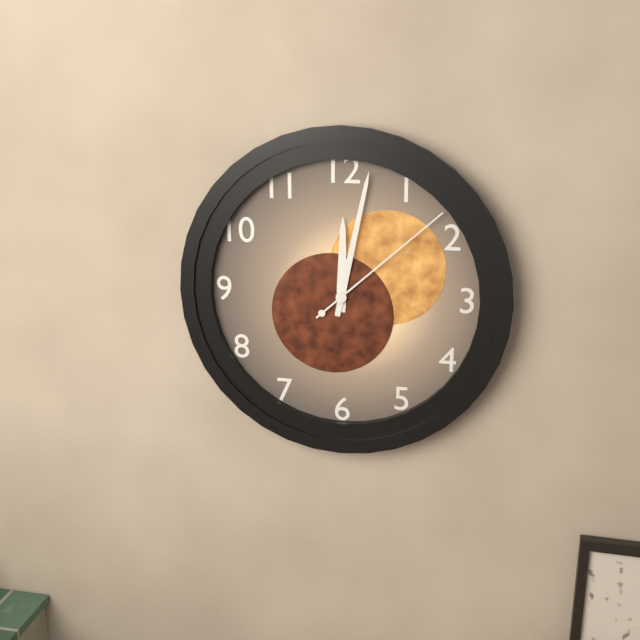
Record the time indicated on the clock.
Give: 12:02:08
